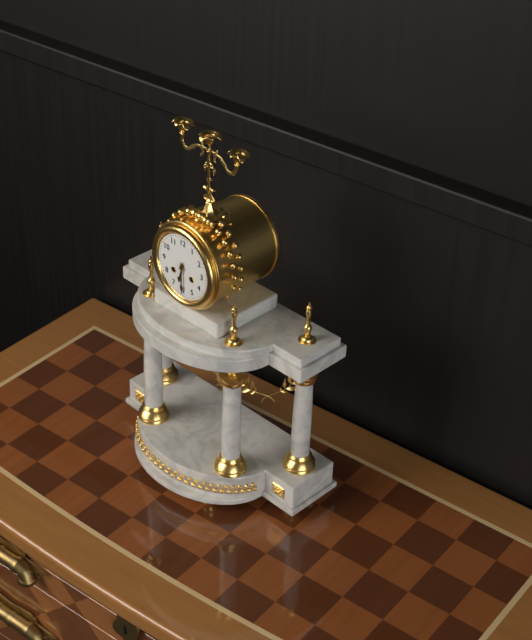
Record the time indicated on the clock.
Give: 6:30
